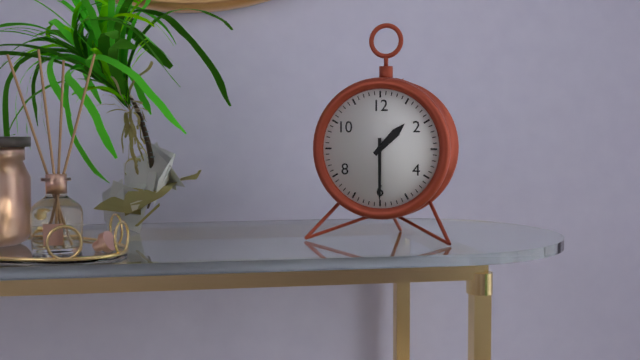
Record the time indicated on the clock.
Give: 1:30
